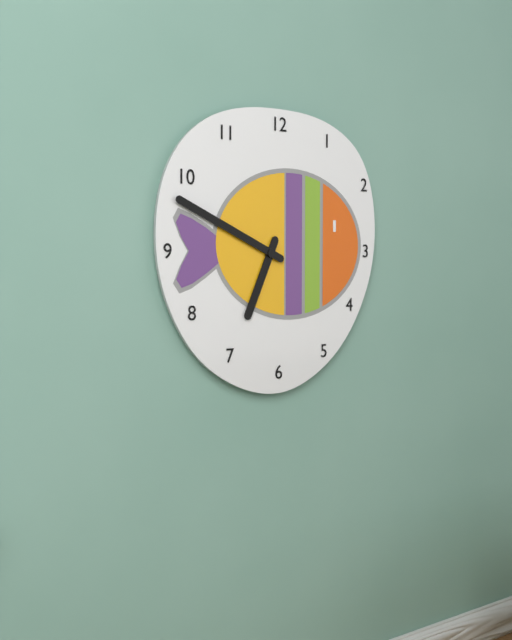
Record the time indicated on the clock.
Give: 6:49
